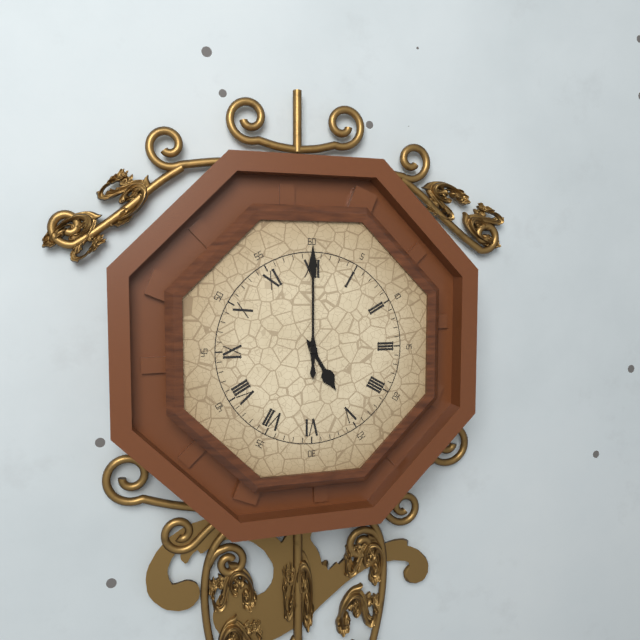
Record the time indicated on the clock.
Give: 5:00
